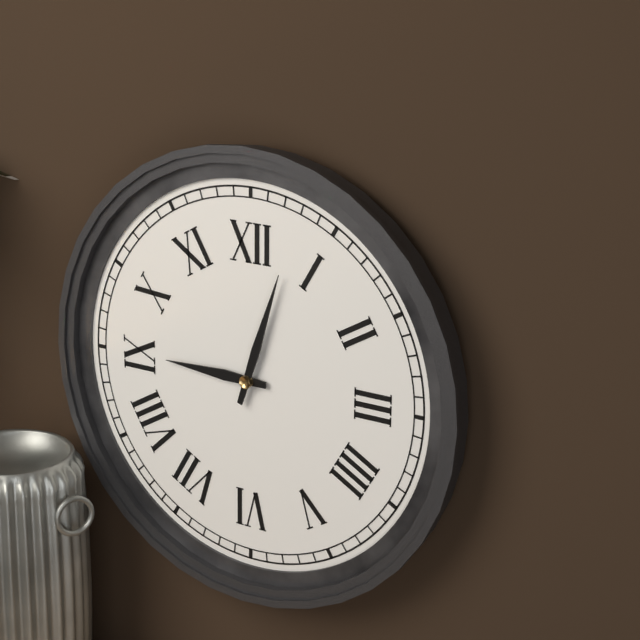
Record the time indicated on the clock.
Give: 9:03
